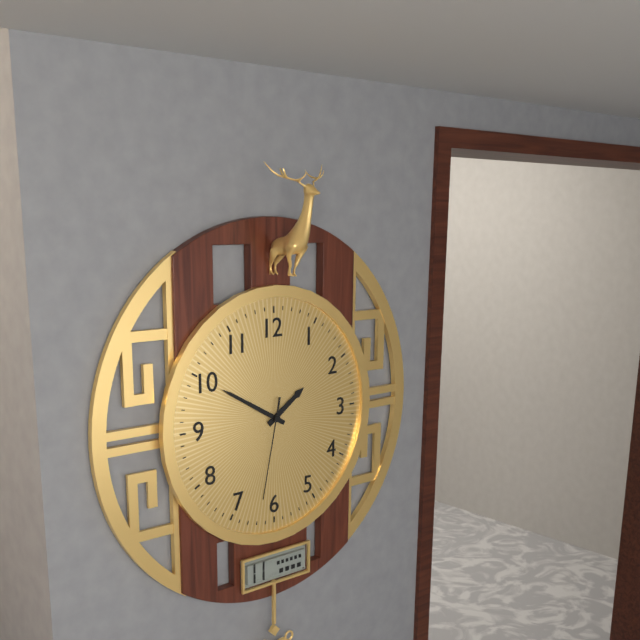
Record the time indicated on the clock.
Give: 1:50:32
